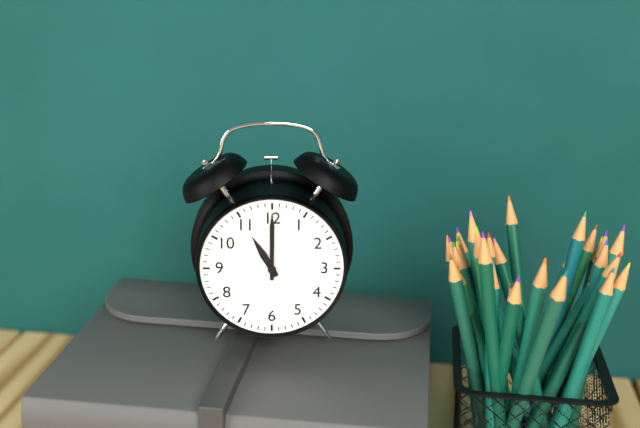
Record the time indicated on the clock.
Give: 11:00
